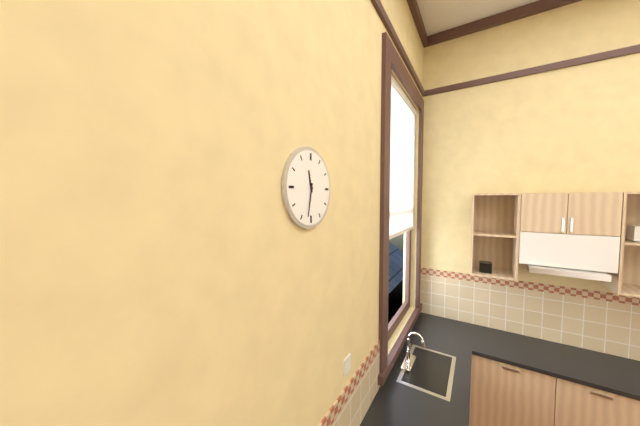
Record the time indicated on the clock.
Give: 11:32
